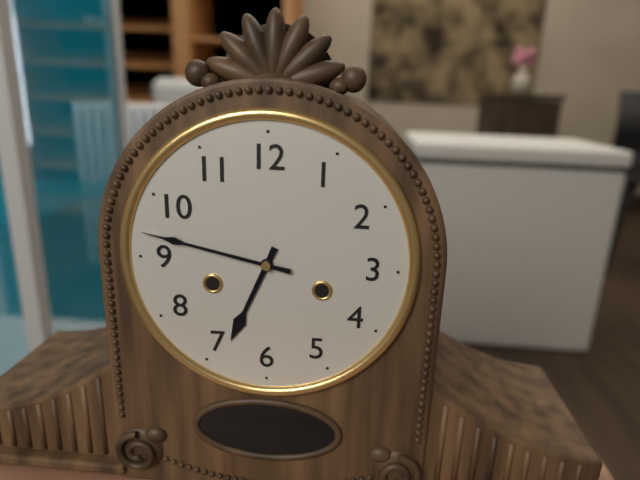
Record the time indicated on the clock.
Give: 6:47
